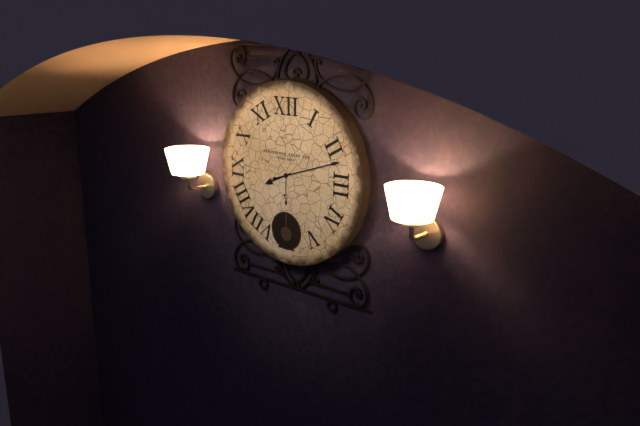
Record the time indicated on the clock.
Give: 8:12
